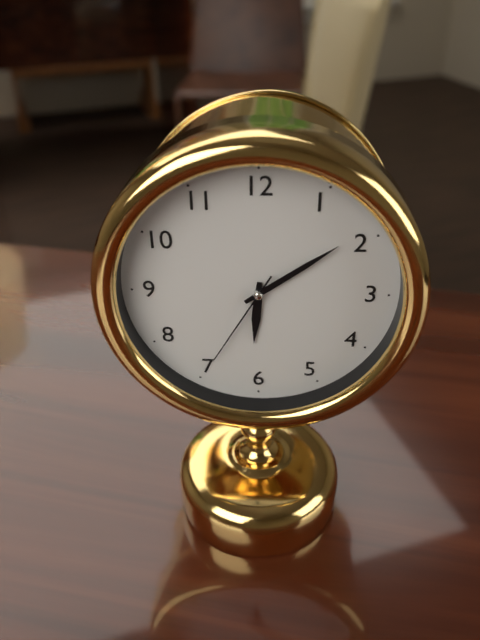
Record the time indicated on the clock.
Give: 6:09:35
